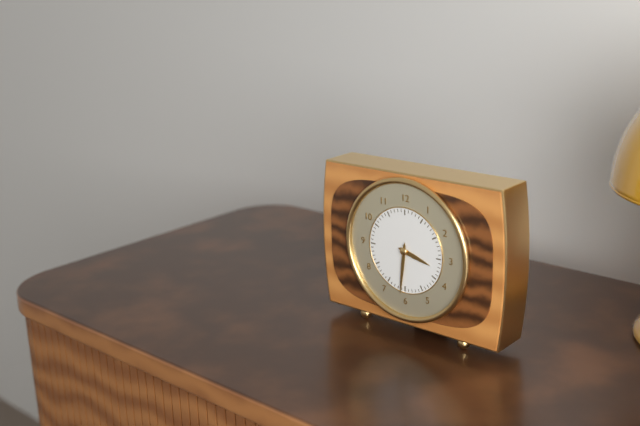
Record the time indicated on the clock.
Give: 3:31
